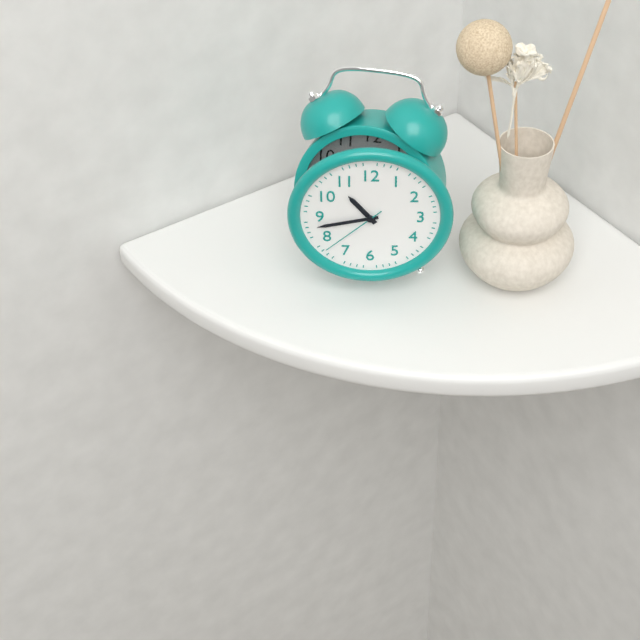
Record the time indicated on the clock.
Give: 10:43:38
